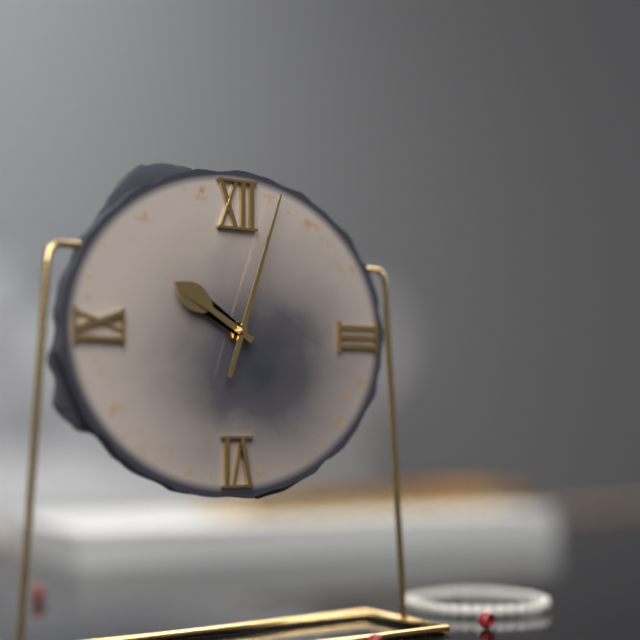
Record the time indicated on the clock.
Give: 10:03
